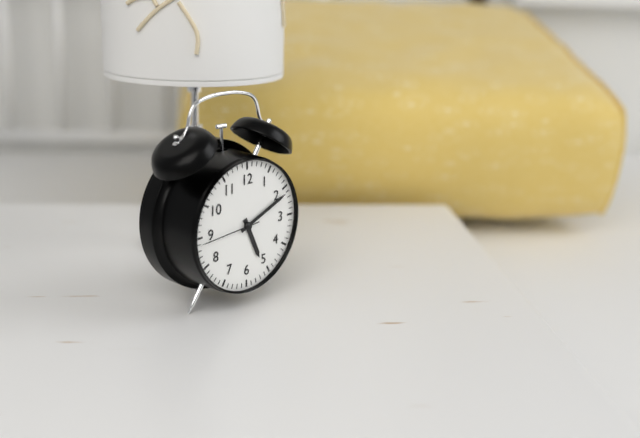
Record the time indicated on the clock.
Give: 5:11
